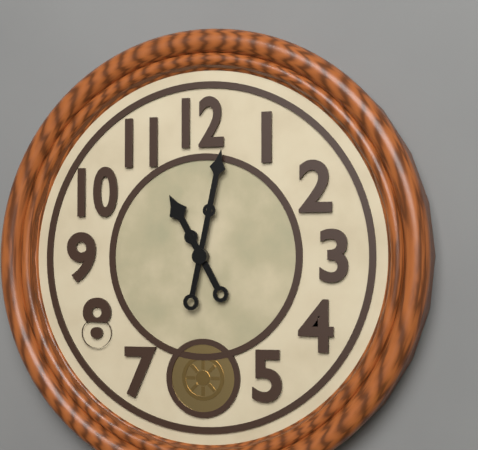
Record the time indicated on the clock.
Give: 11:02
